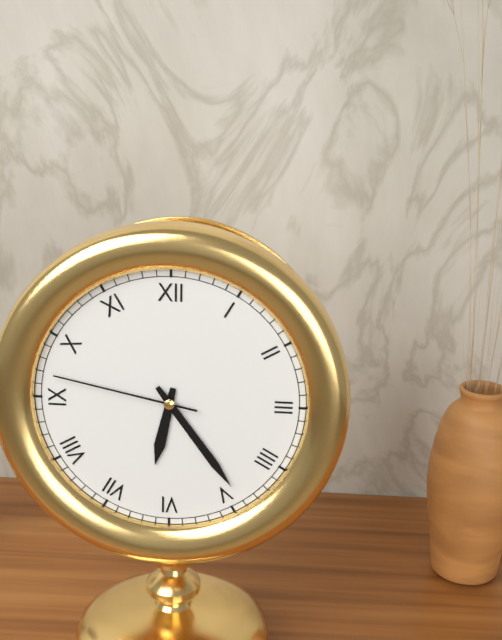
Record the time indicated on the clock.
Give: 6:24:47
